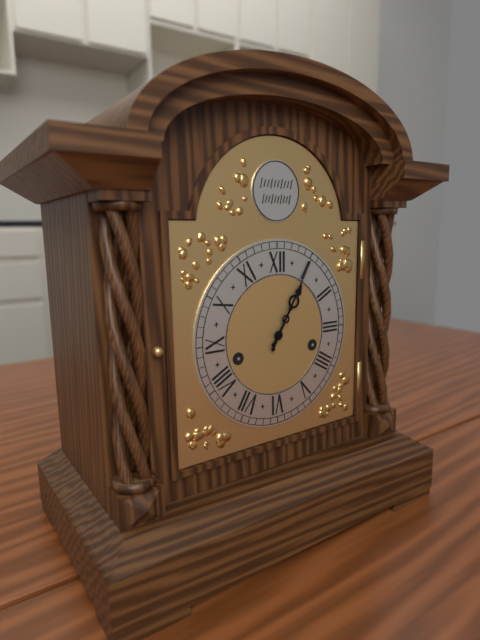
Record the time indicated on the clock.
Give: 1:05
